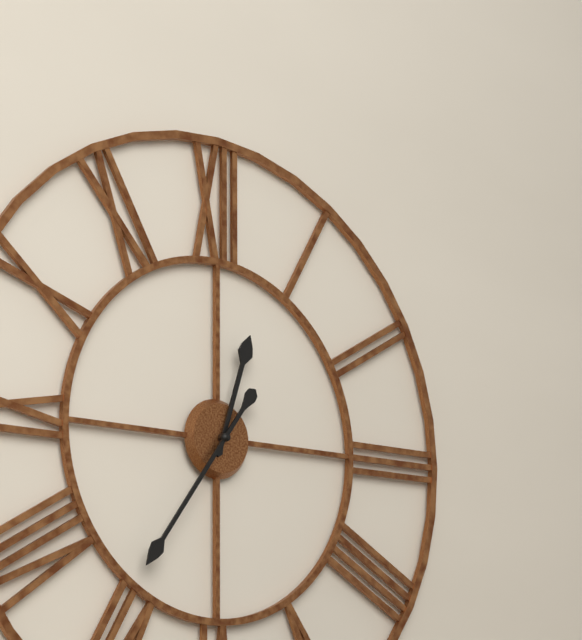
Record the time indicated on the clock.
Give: 12:36
